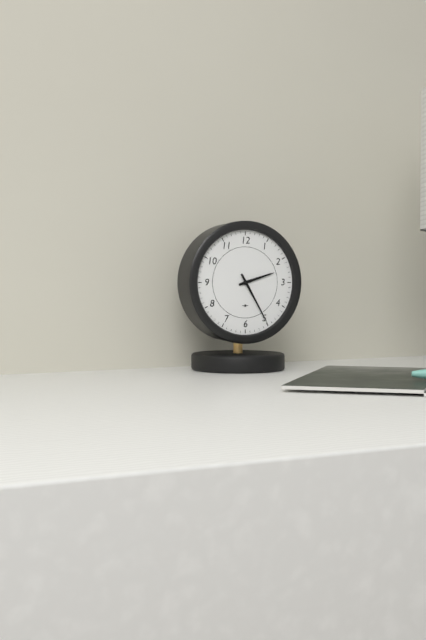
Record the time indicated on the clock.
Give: 2:25
